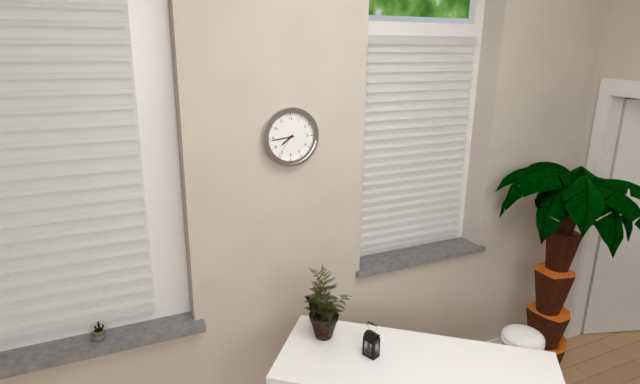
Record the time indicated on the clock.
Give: 7:44
